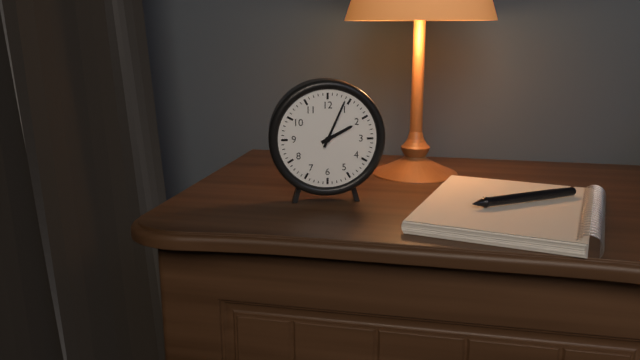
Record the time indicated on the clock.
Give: 2:04
